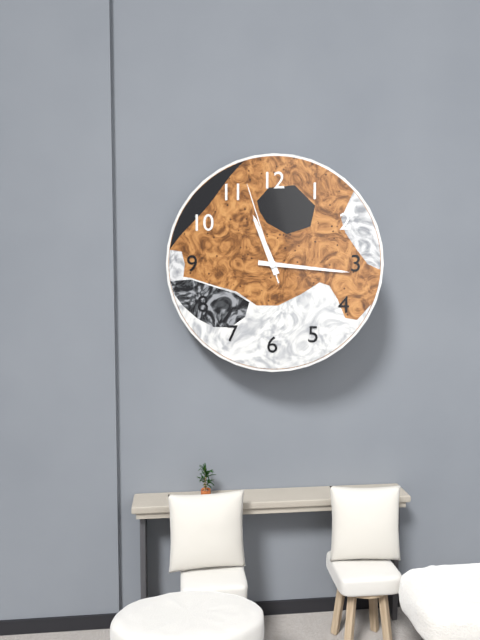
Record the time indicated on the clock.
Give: 11:16:57
